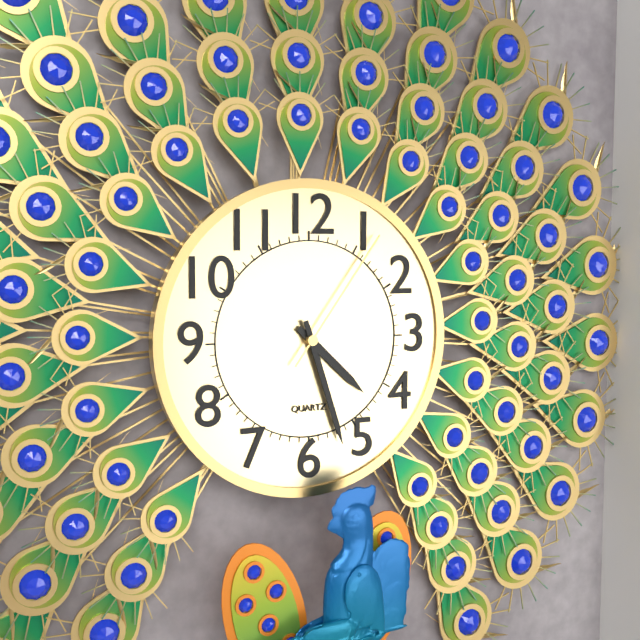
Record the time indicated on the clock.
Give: 4:27:06
